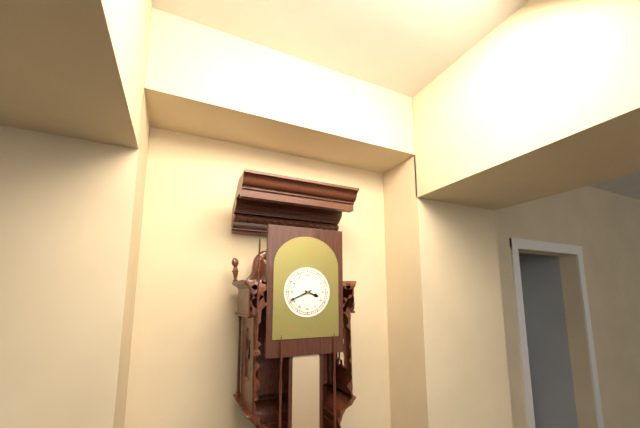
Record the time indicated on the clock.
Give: 3:41
